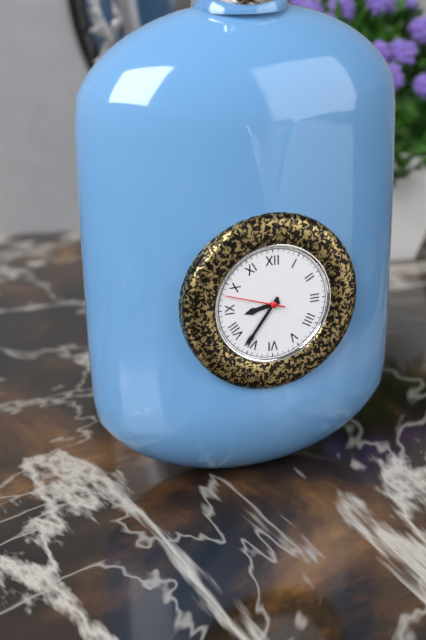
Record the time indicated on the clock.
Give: 8:36:48
